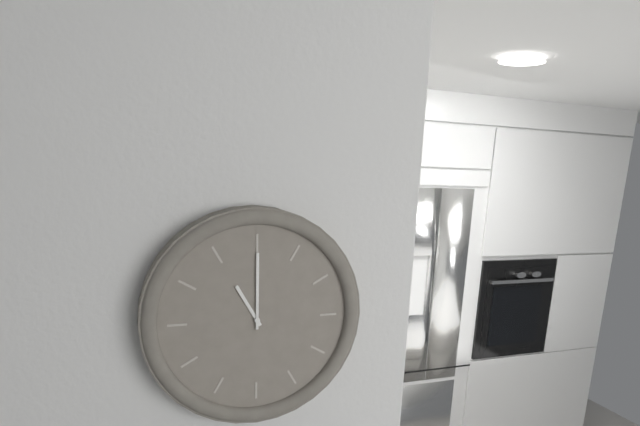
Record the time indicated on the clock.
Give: 11:00
